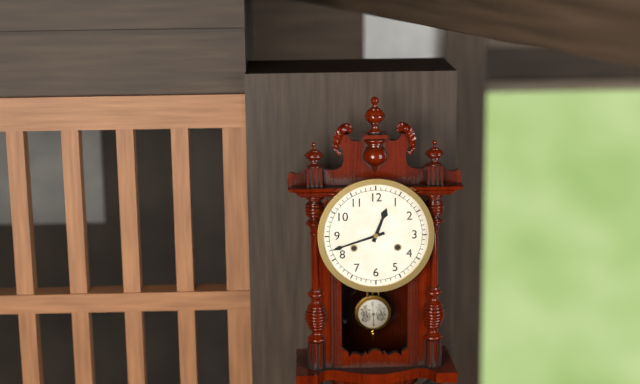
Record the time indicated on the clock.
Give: 12:42
